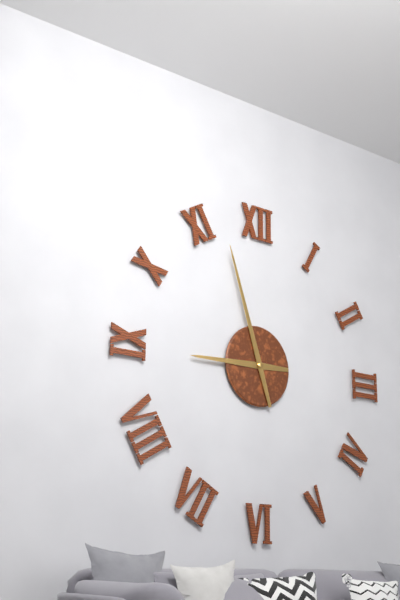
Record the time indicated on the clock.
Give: 8:57
